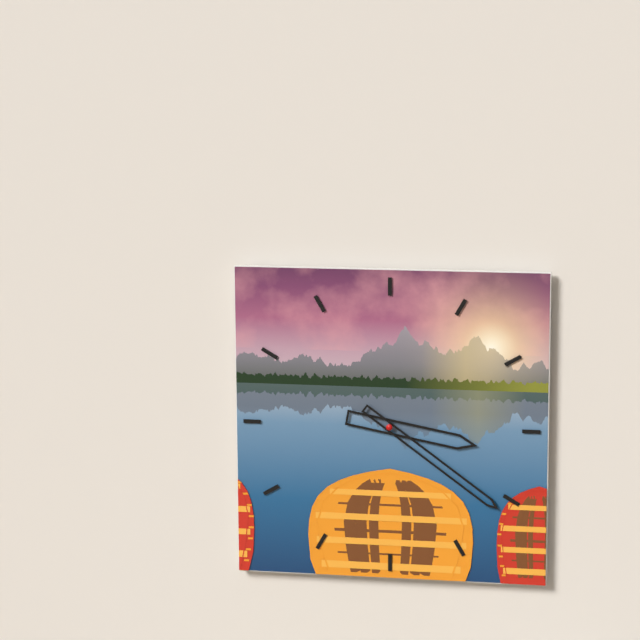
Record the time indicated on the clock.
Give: 3:21
